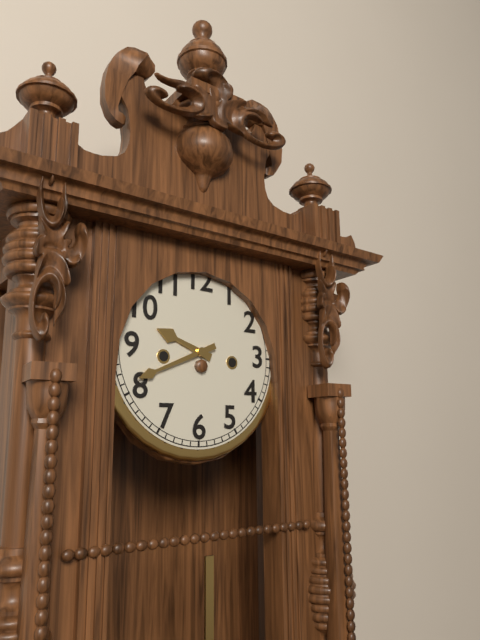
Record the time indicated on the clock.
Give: 9:41
